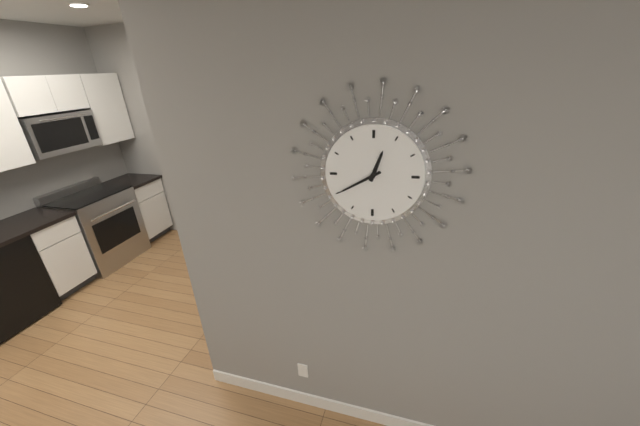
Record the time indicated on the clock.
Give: 12:40
